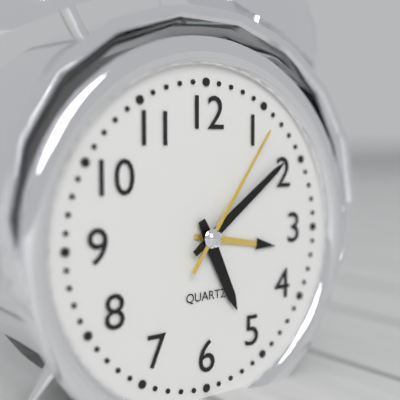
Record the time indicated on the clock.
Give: 5:09:06
